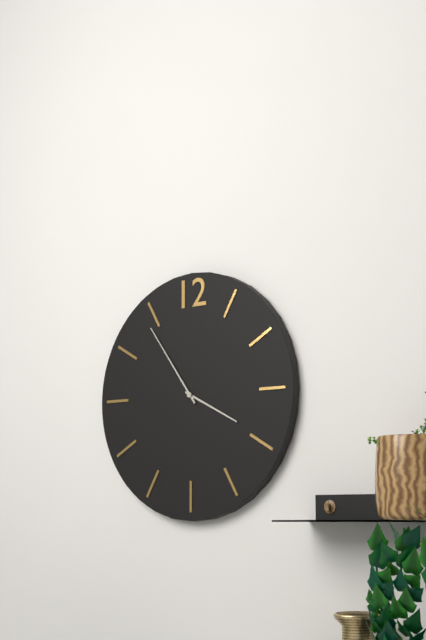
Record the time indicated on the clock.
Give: 3:54
